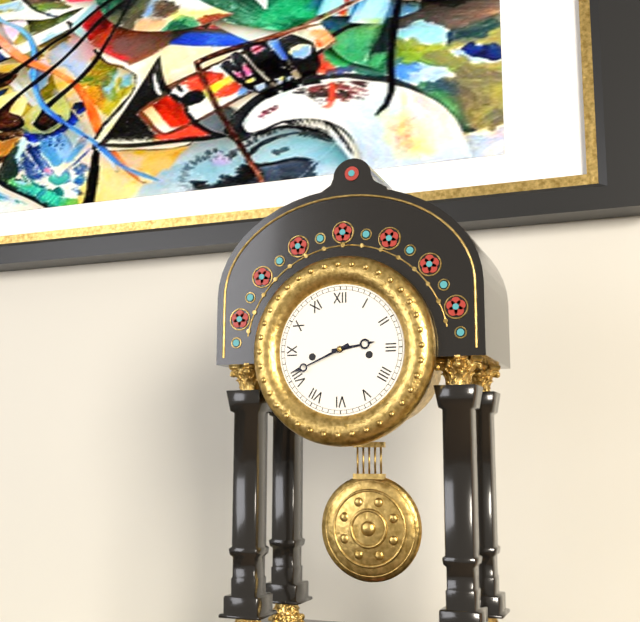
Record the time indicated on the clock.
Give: 2:41
